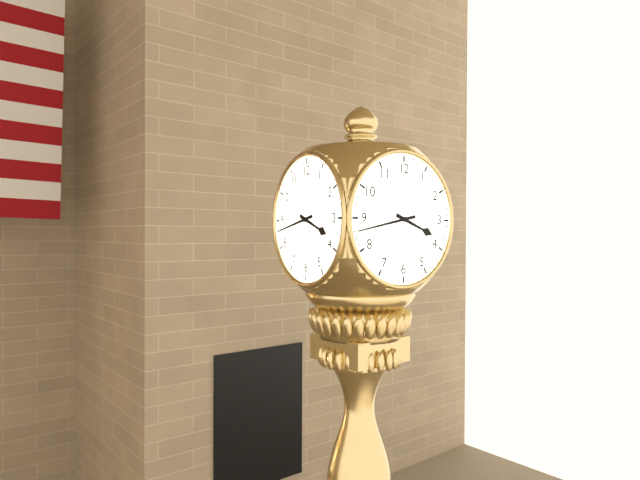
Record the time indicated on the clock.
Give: 3:43
